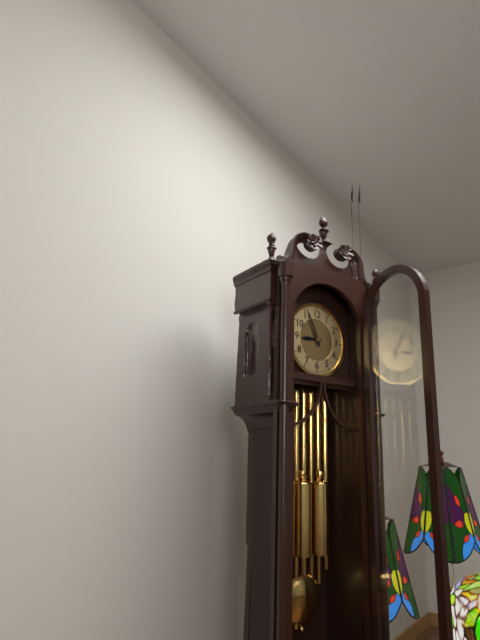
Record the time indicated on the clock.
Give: 8:56
